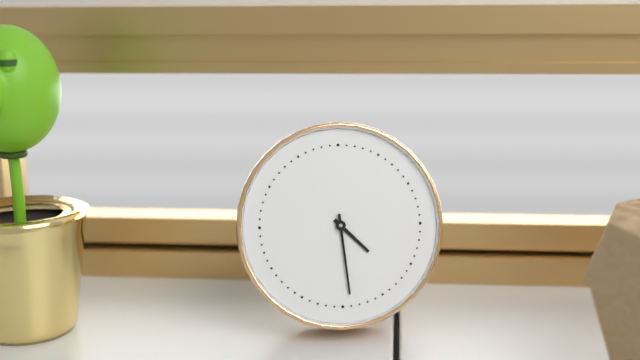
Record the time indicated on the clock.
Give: 4:29
